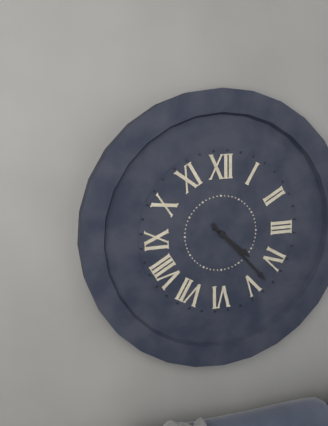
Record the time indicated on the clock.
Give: 4:23
